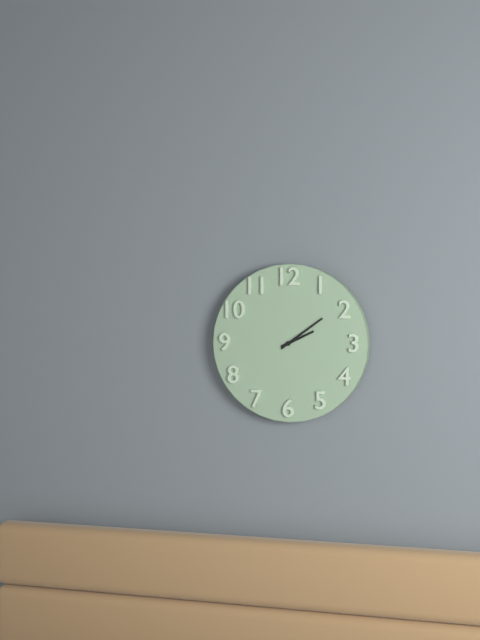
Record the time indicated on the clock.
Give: 2:09
